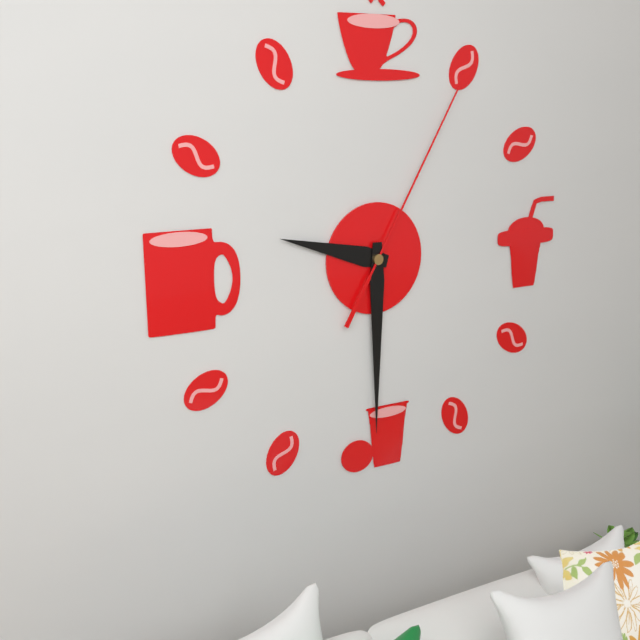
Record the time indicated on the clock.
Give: 9:30:05
